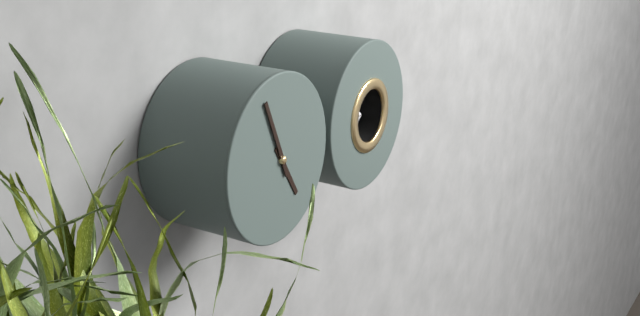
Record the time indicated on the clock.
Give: 4:56
